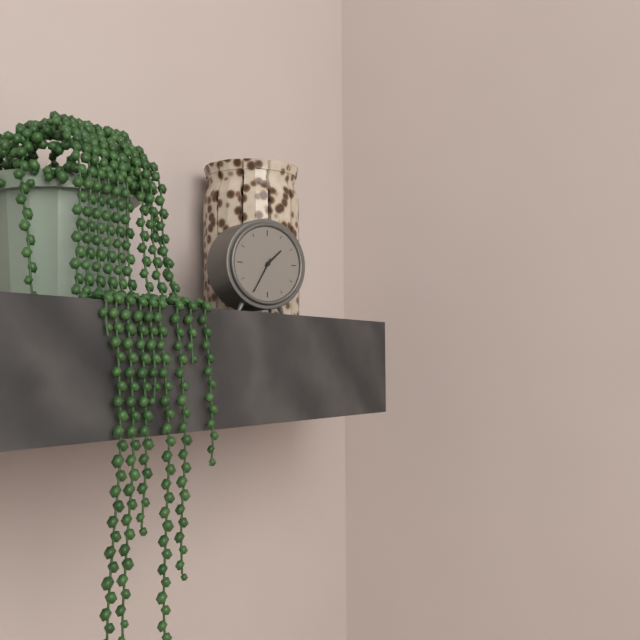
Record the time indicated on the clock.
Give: 1:35
